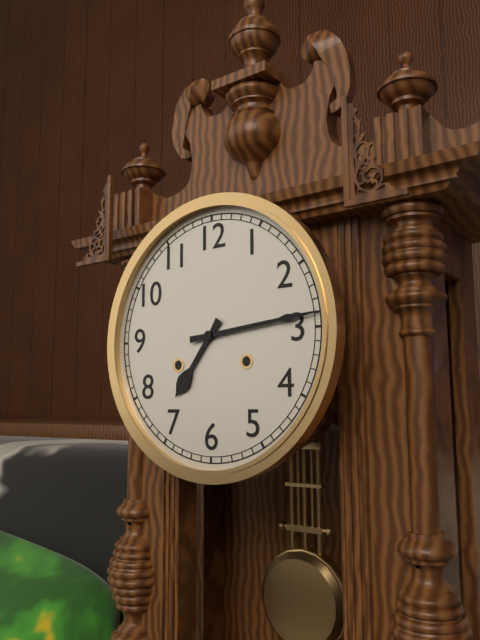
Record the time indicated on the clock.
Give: 7:14
